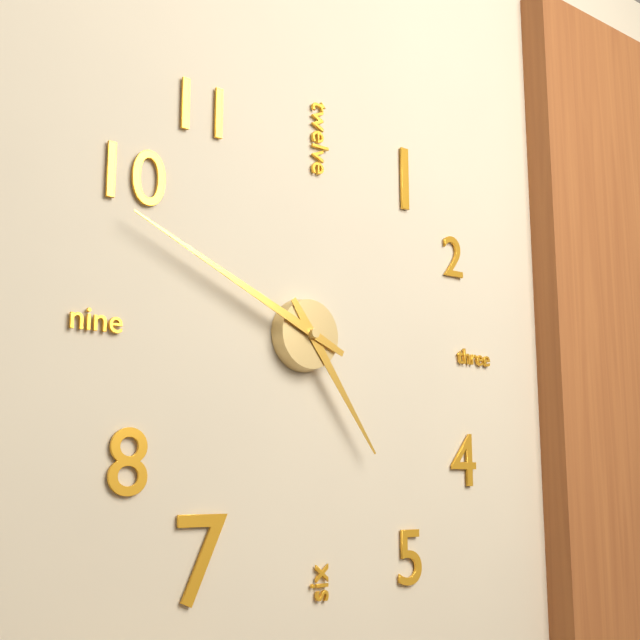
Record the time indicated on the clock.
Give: 4:49
